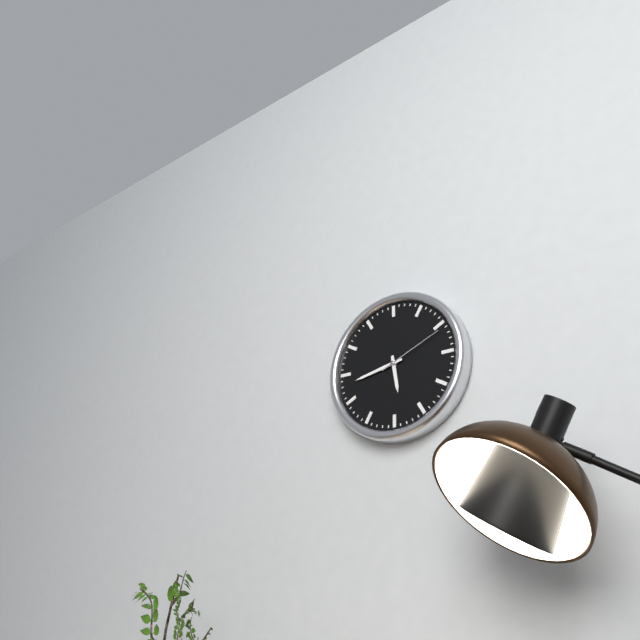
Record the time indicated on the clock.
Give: 5:43:11
